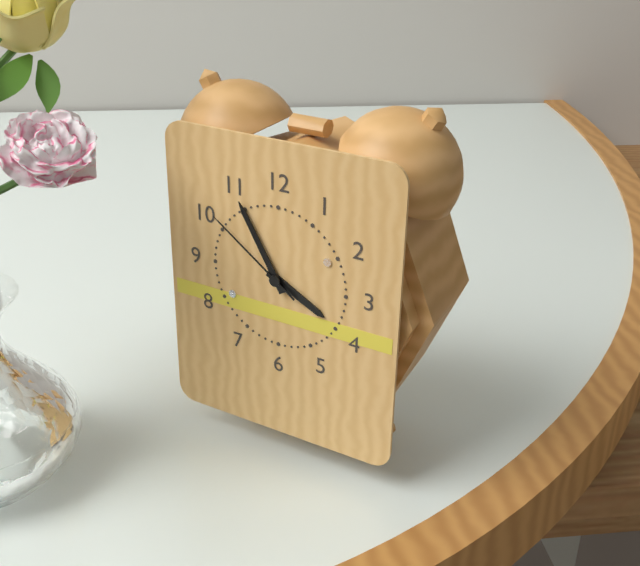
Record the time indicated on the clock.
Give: 3:55:51
